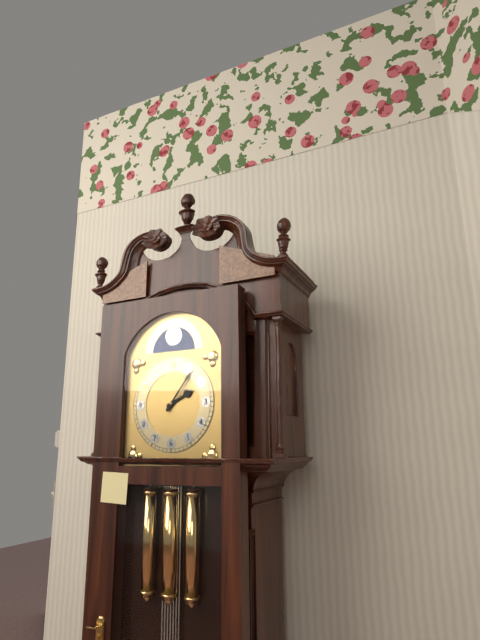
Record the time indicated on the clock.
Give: 2:06
